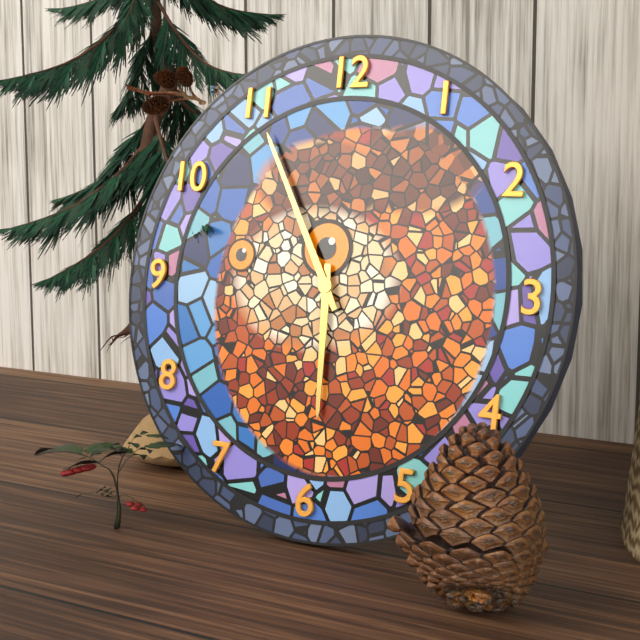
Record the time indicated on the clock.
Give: 5:55
